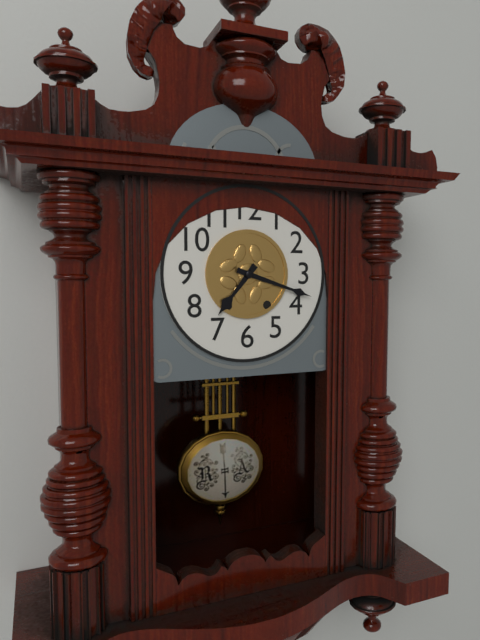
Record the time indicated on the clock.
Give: 7:18
